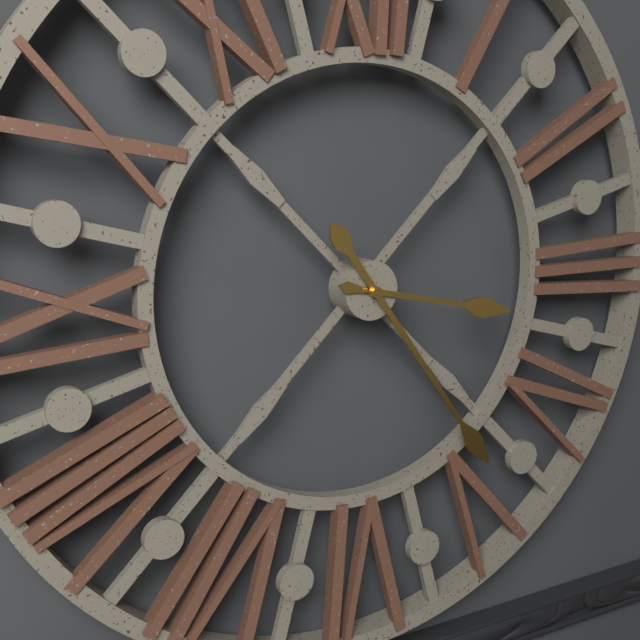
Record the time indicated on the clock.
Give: 3:24
